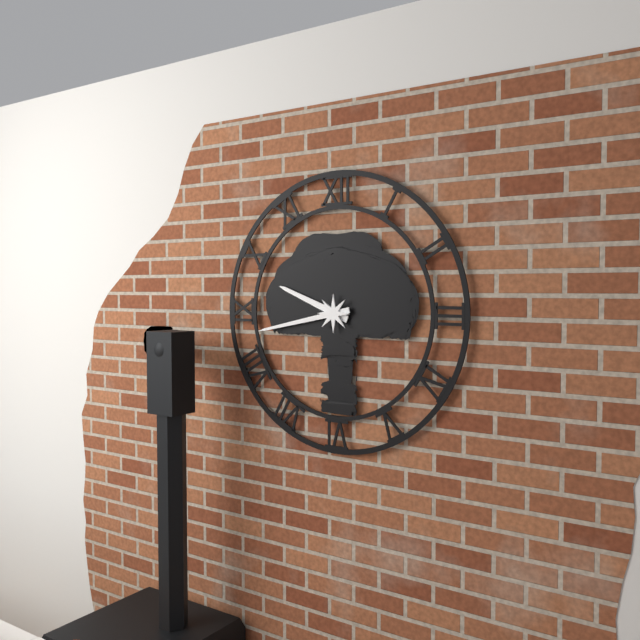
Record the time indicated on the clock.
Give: 9:43
